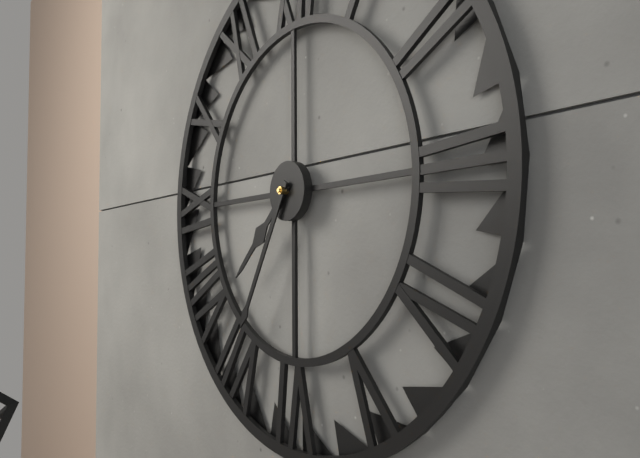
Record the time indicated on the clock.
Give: 7:35
